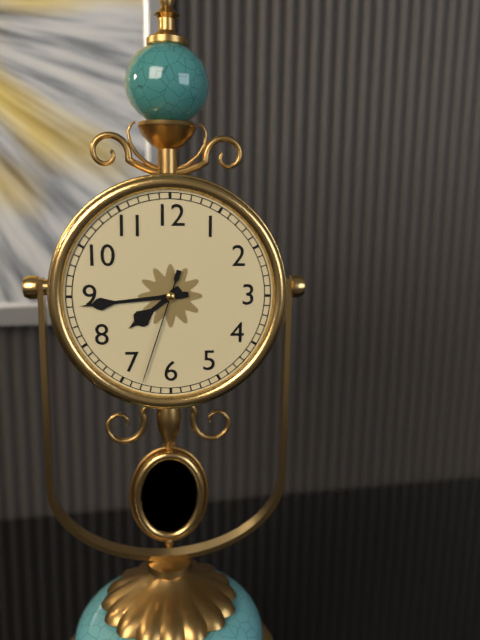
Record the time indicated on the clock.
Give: 7:44:33
